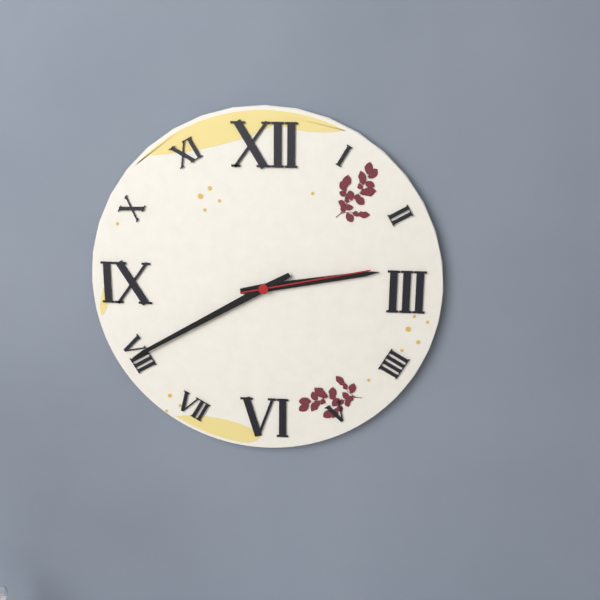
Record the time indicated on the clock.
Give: 2:40:13
